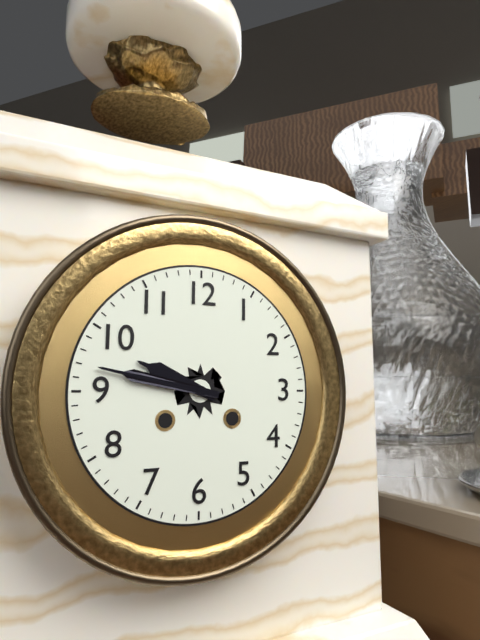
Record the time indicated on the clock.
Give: 9:47
